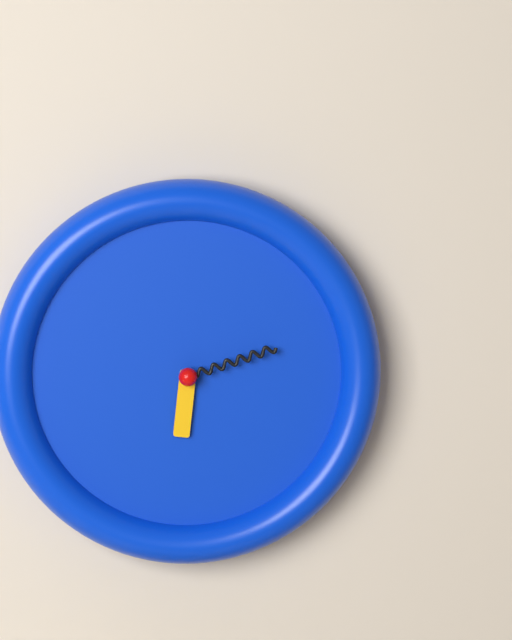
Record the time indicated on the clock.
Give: 6:12
